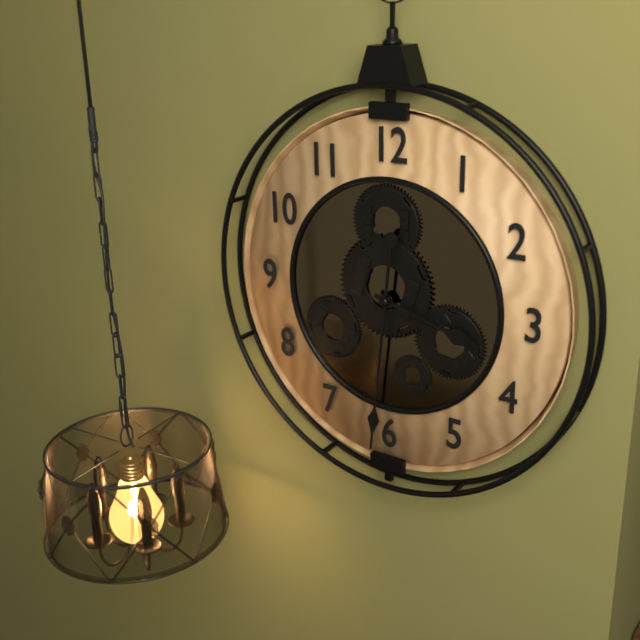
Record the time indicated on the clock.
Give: 3:31
